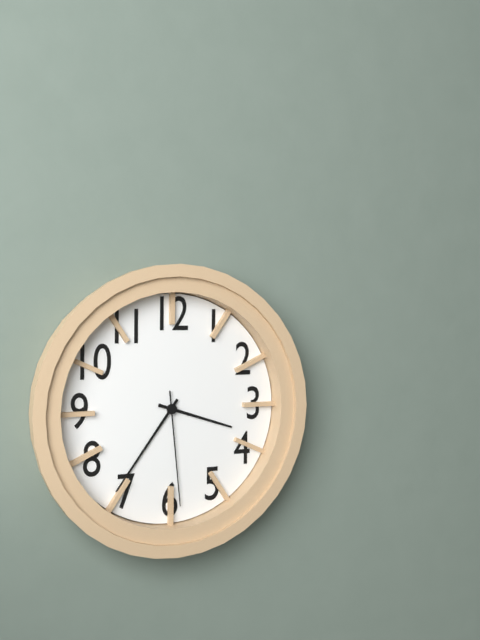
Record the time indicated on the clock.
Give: 3:36:29
